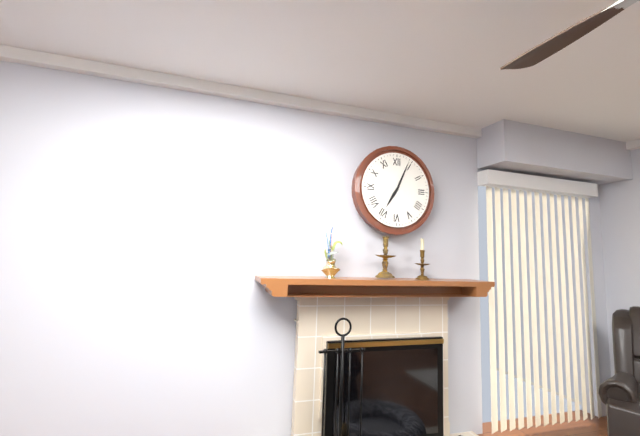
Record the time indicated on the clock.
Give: 7:04
